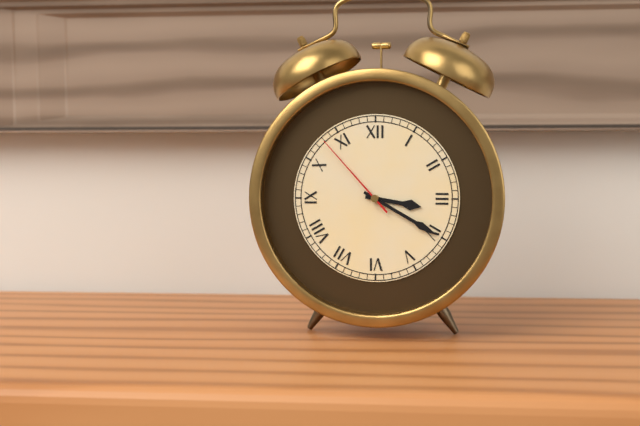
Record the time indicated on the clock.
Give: 3:20:53
